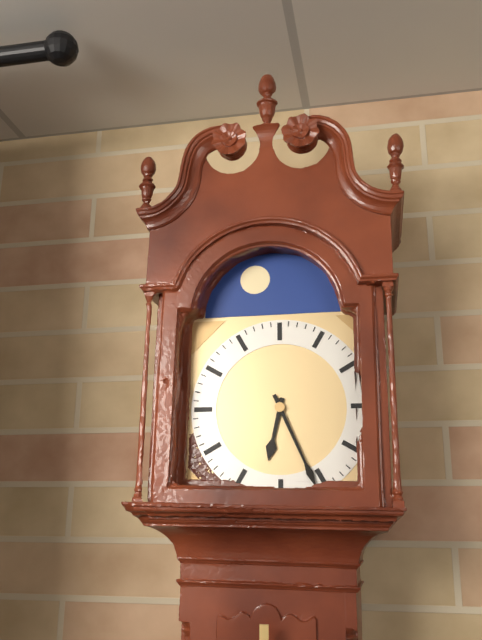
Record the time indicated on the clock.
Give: 6:26
